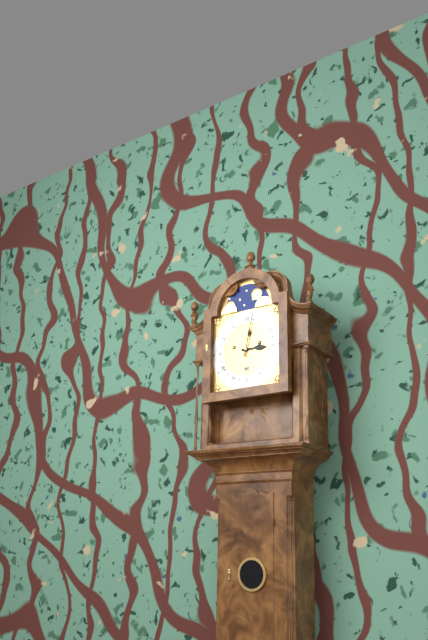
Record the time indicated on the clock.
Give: 3:02
